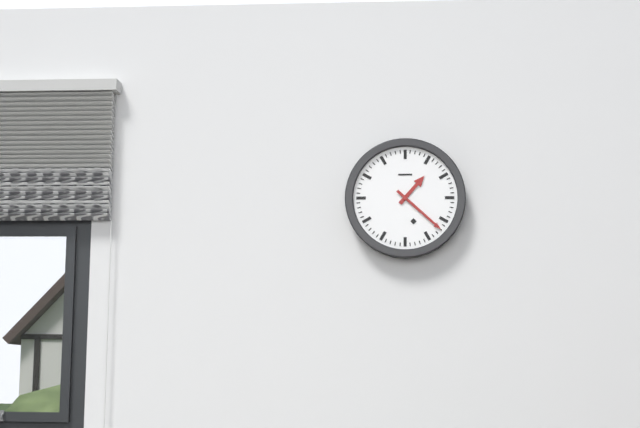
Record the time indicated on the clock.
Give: 1:22
